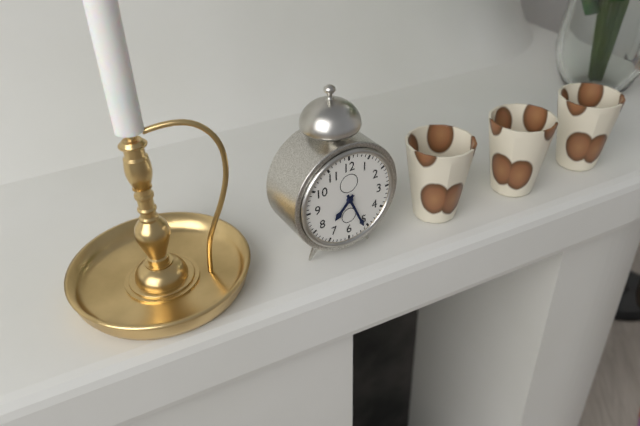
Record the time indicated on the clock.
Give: 7:26
